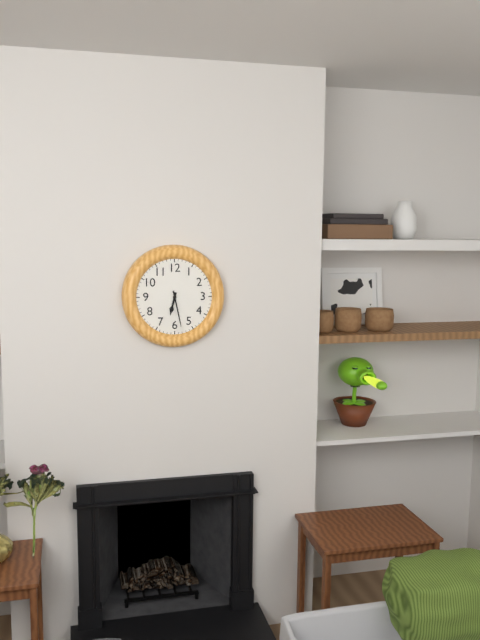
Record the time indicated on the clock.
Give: 6:28
